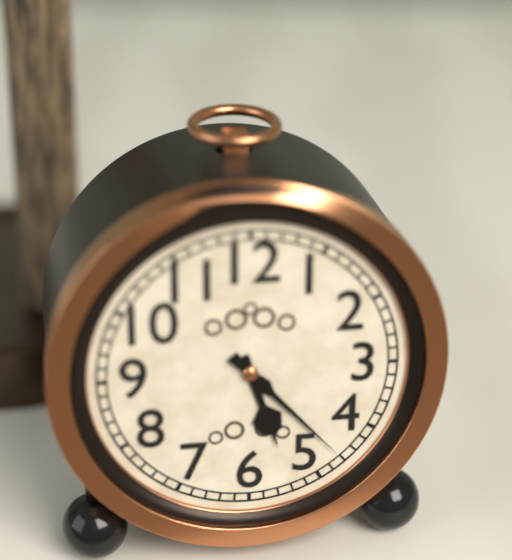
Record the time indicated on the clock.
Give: 5:23
